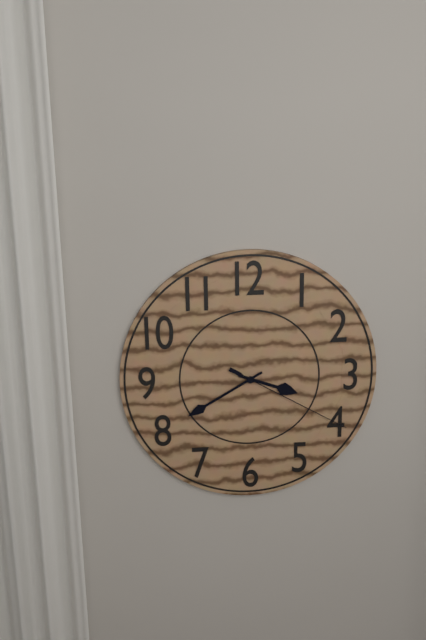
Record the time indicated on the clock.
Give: 3:40:20
